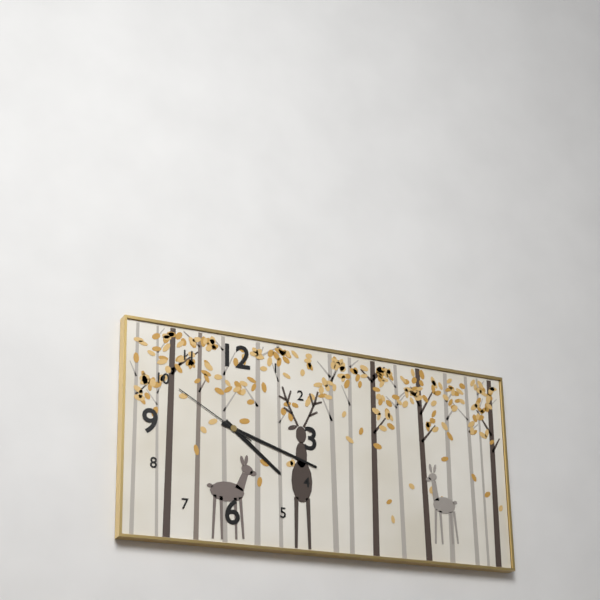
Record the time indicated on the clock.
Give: 4:18:50
